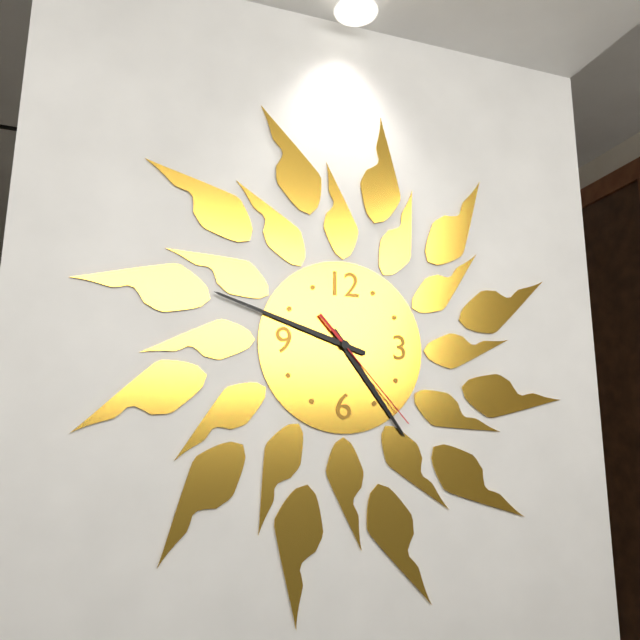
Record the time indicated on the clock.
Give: 4:48:23
